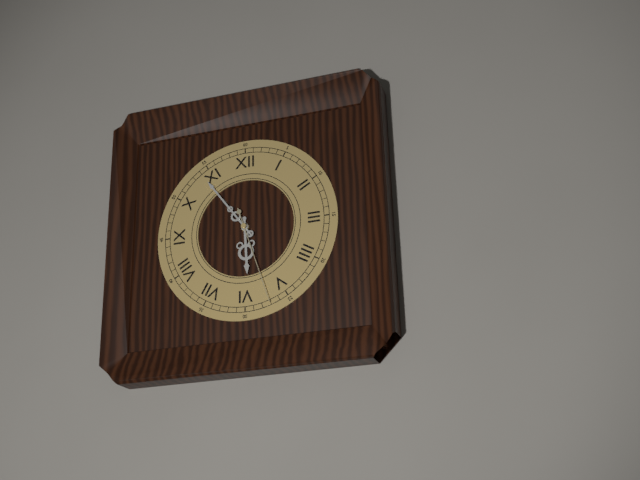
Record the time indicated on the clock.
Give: 5:54:27
